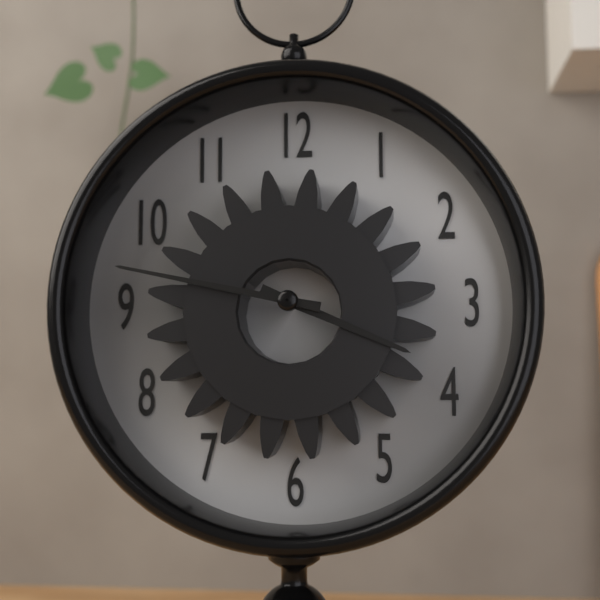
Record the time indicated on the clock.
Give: 3:47
